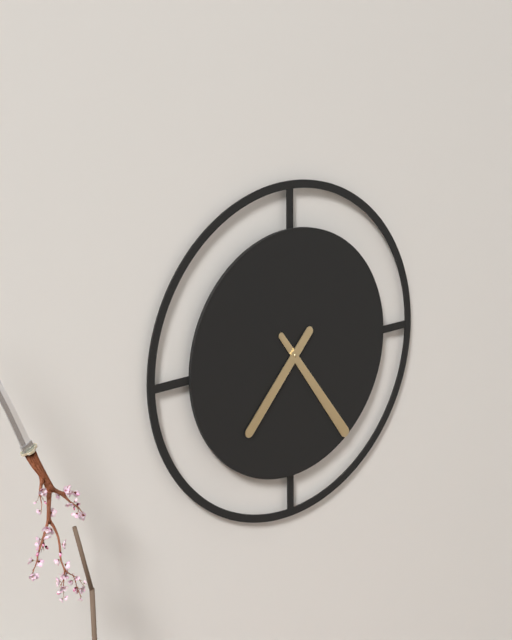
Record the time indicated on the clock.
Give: 7:24
